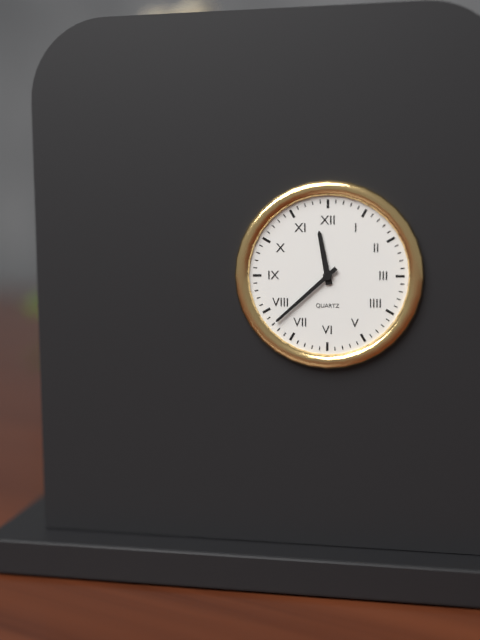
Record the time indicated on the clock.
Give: 11:38
